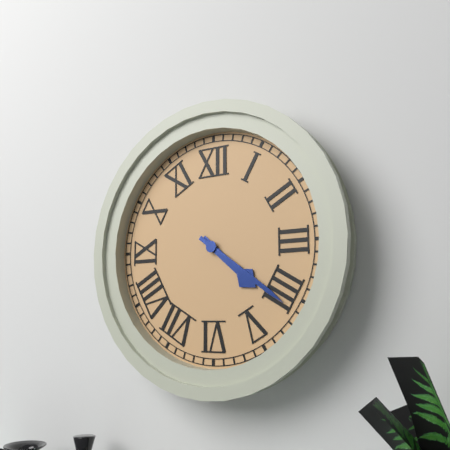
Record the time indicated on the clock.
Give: 4:21
